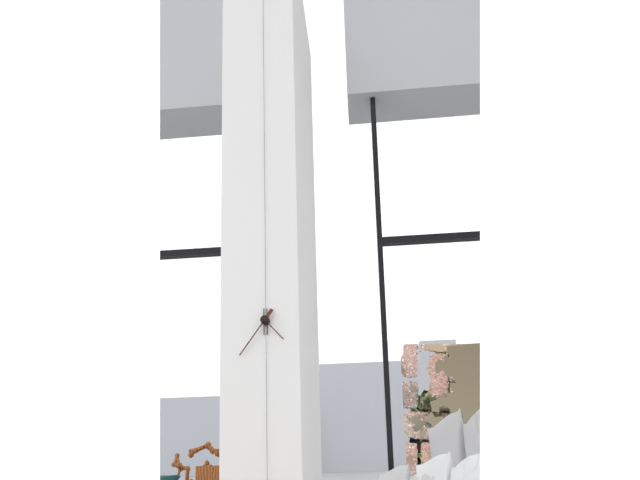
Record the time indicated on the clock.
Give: 4:36
